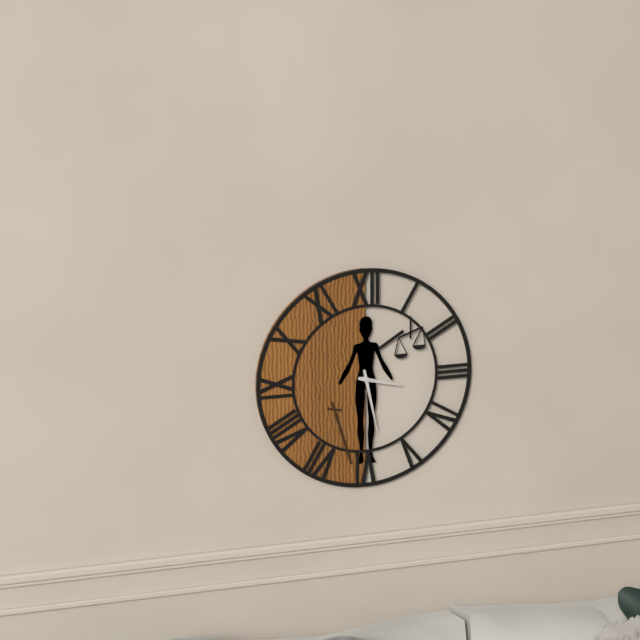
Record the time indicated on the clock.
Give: 3:28
